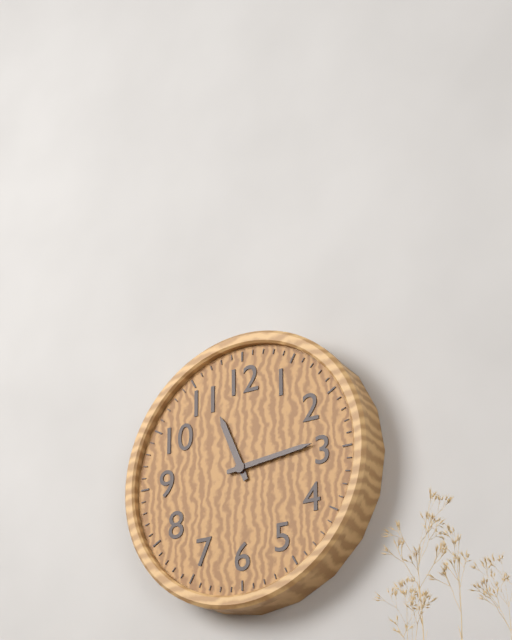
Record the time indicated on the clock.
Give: 11:14
